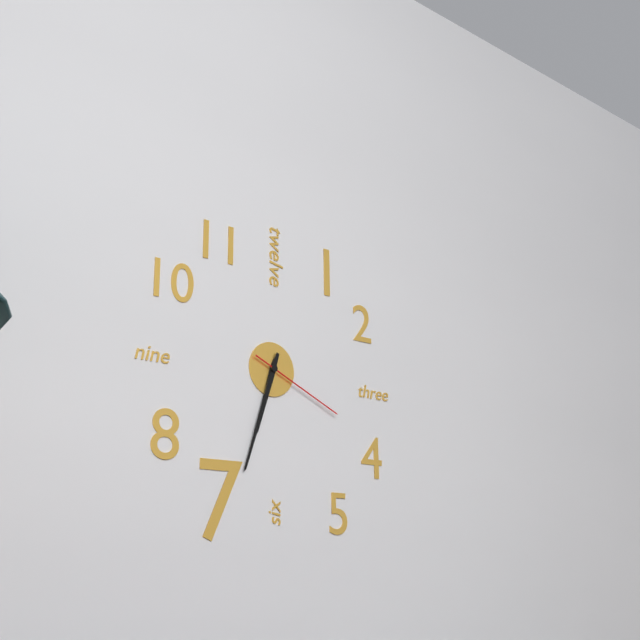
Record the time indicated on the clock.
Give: 6:33:19
